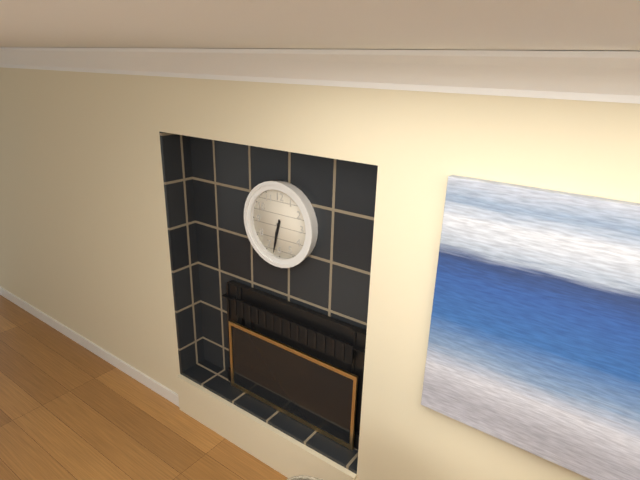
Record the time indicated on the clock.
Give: 6:32
